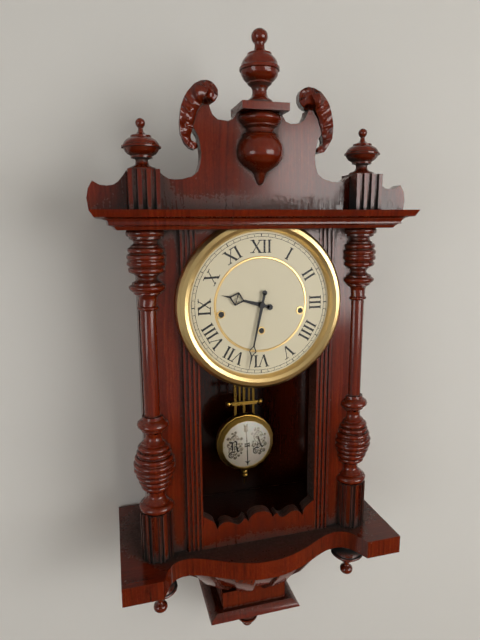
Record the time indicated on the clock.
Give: 9:32
